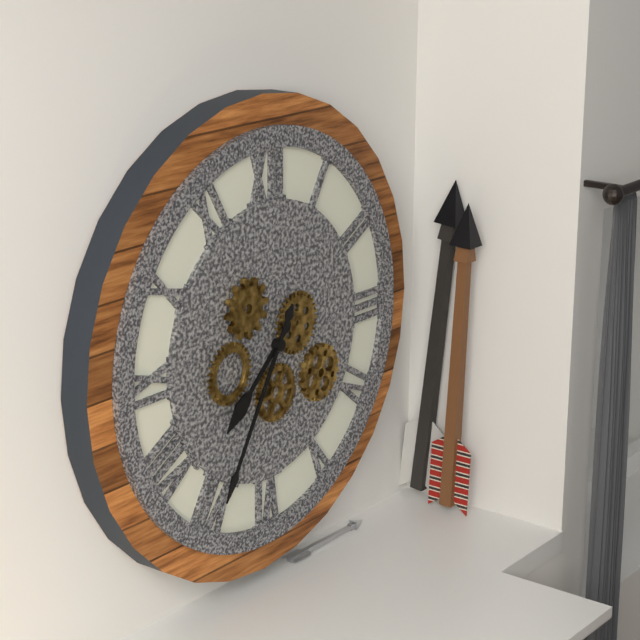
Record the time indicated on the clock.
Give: 7:35
